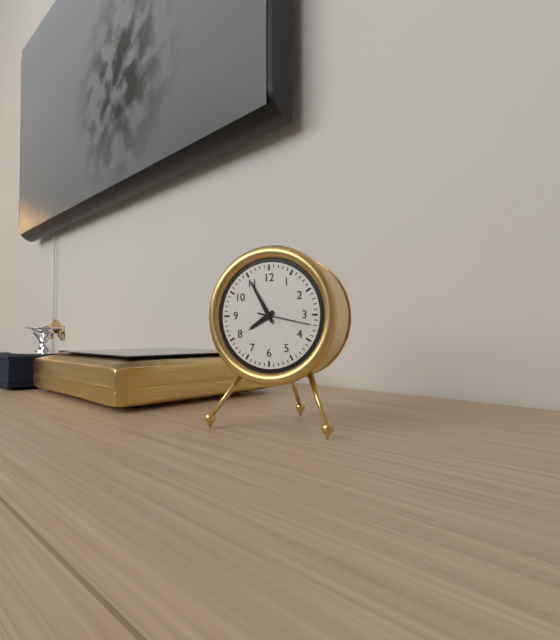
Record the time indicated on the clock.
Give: 7:55:17
